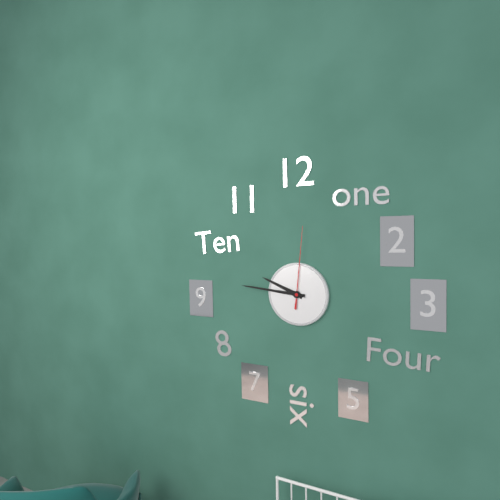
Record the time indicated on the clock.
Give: 9:46:01
